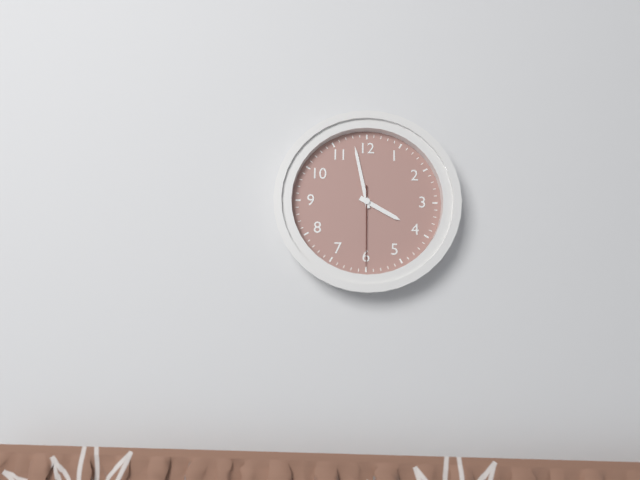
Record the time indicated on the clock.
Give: 3:58:30
